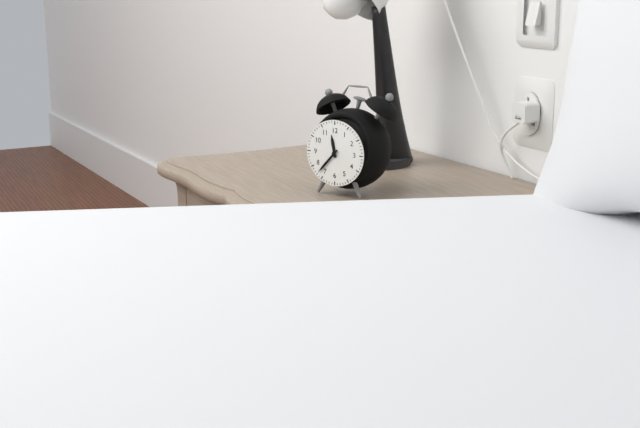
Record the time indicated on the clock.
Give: 11:37
